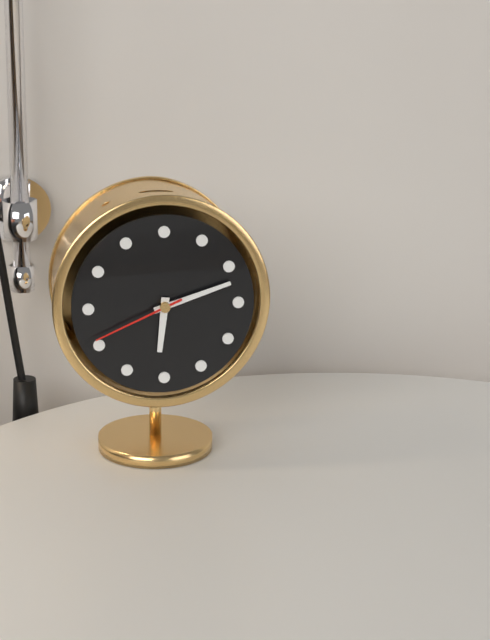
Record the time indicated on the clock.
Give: 6:12:41
